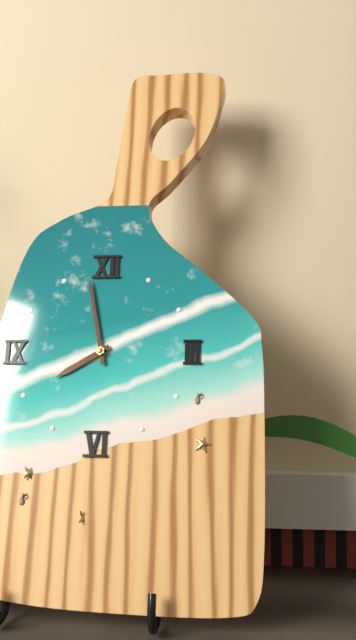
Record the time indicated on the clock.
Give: 7:58
